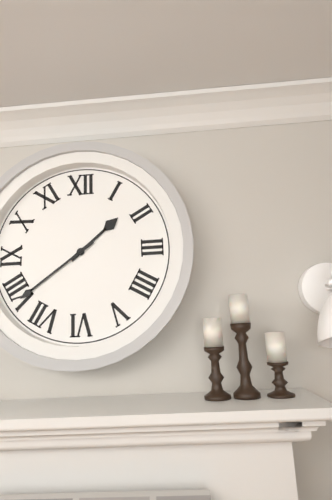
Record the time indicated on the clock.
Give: 1:39
